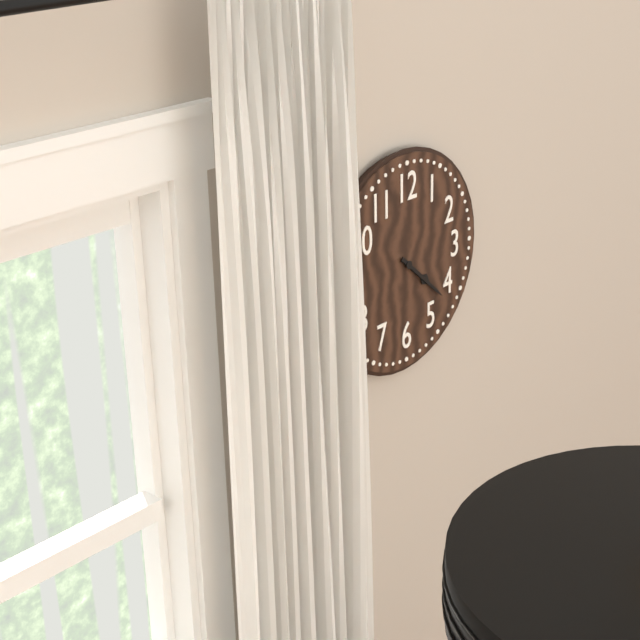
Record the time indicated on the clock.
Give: 4:22
